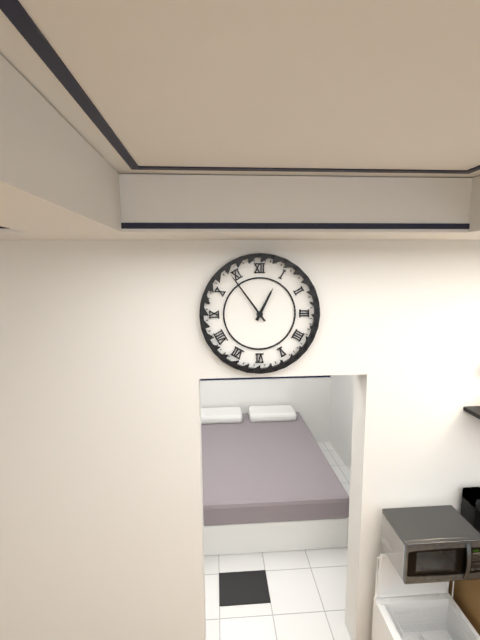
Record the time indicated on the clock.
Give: 12:54
